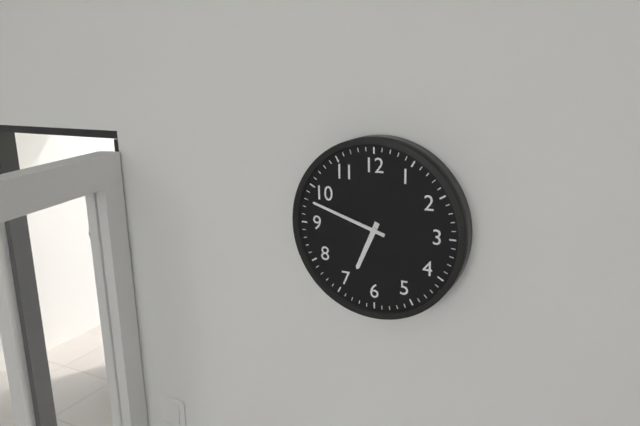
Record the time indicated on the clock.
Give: 6:48
